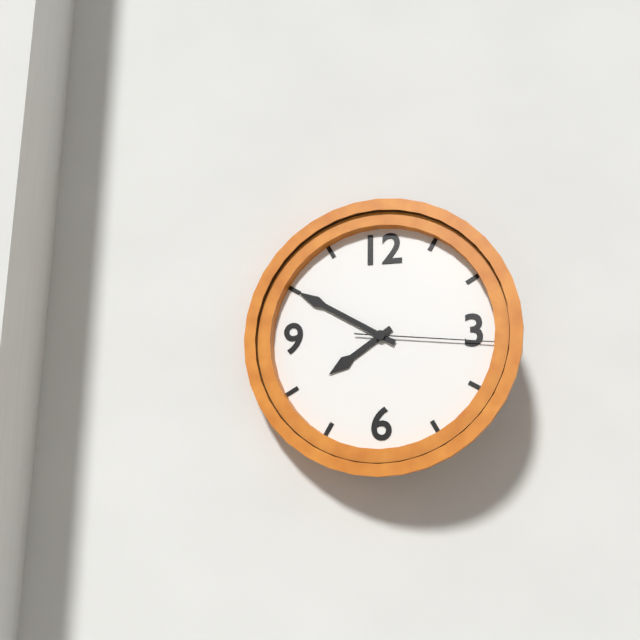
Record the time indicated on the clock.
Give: 7:50:16
